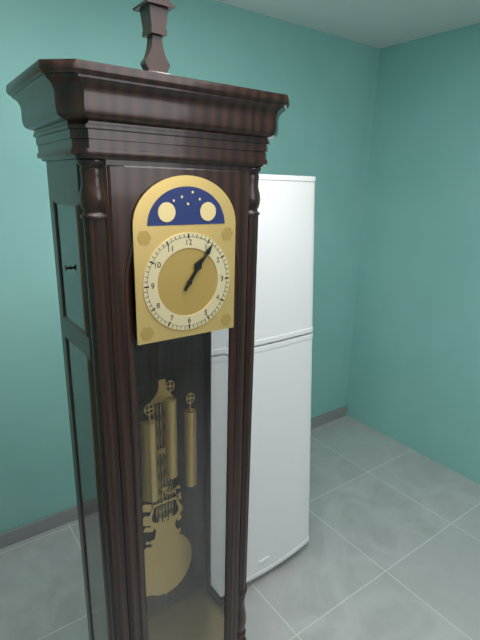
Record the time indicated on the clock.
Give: 1:06
